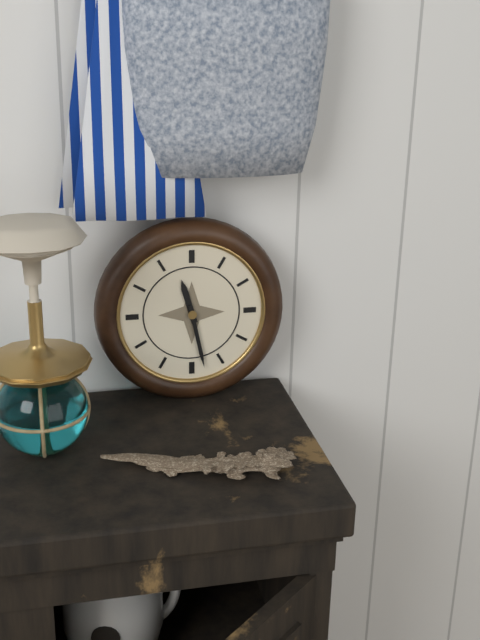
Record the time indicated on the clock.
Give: 11:28
